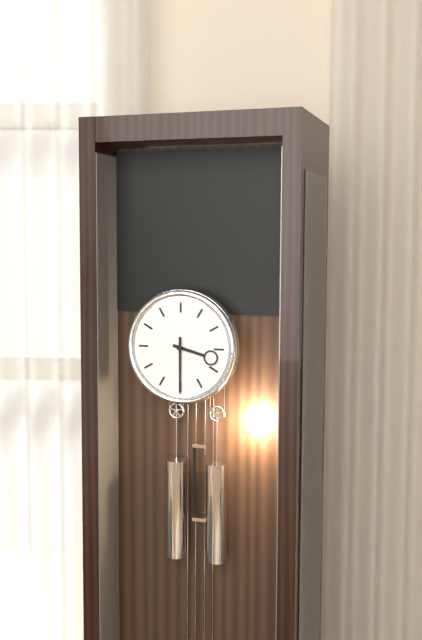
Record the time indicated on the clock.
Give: 3:30
